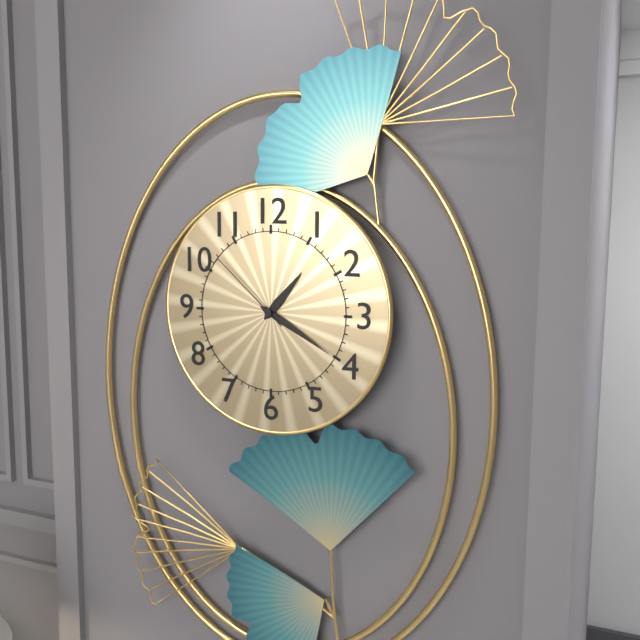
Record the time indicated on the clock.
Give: 1:20:52
